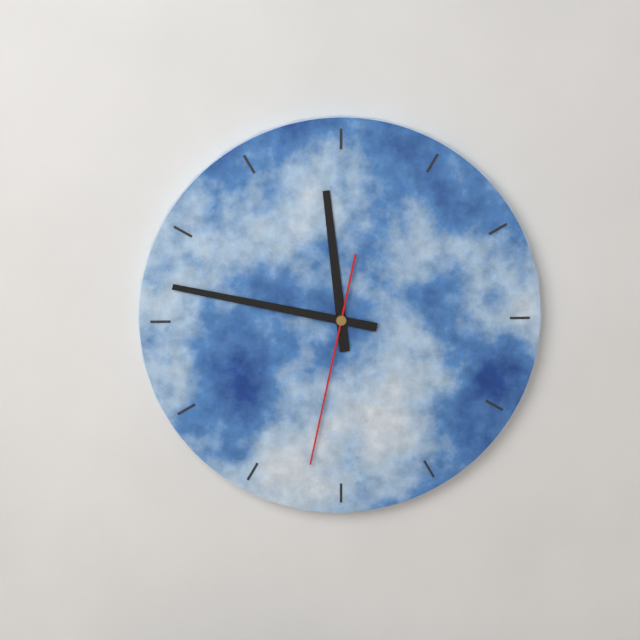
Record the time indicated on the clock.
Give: 11:47:32
